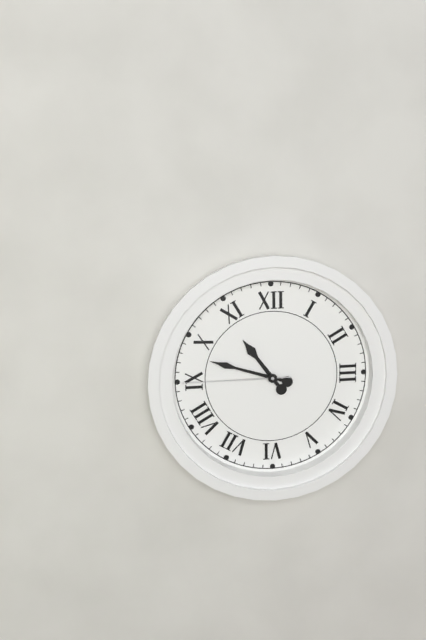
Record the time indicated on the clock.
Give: 10:48:45
